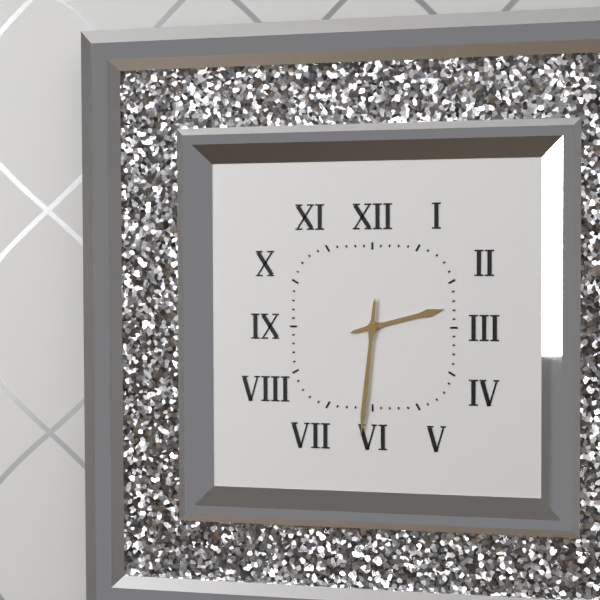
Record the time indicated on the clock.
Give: 2:31
